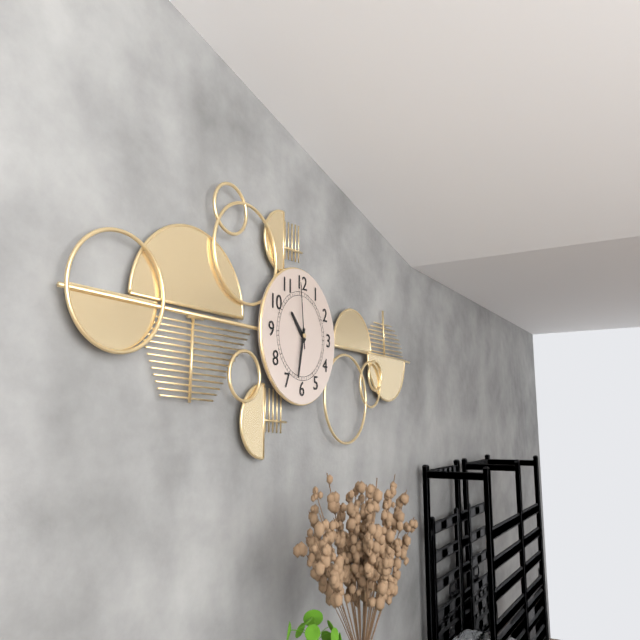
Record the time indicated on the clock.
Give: 10:32:59
